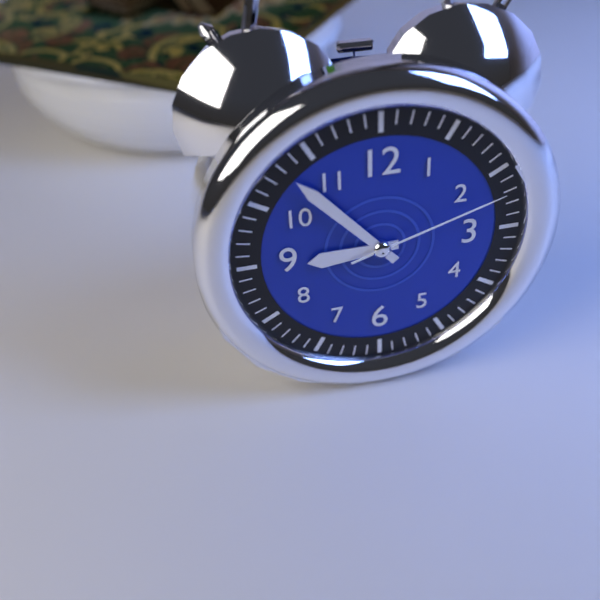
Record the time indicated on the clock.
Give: 8:53:12
